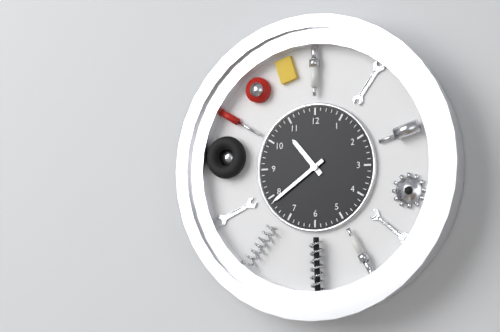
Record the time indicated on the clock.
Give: 10:39
